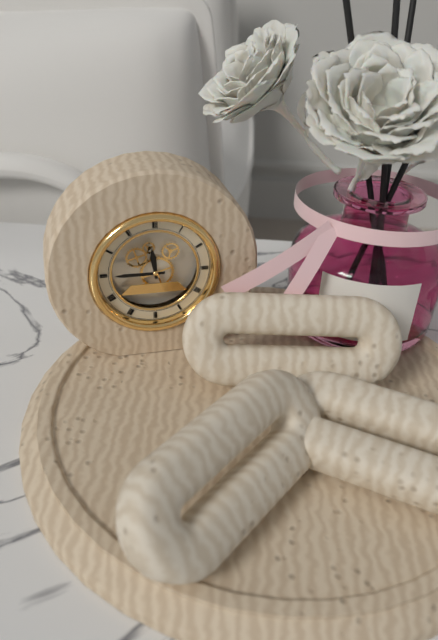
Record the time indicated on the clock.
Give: 11:45
